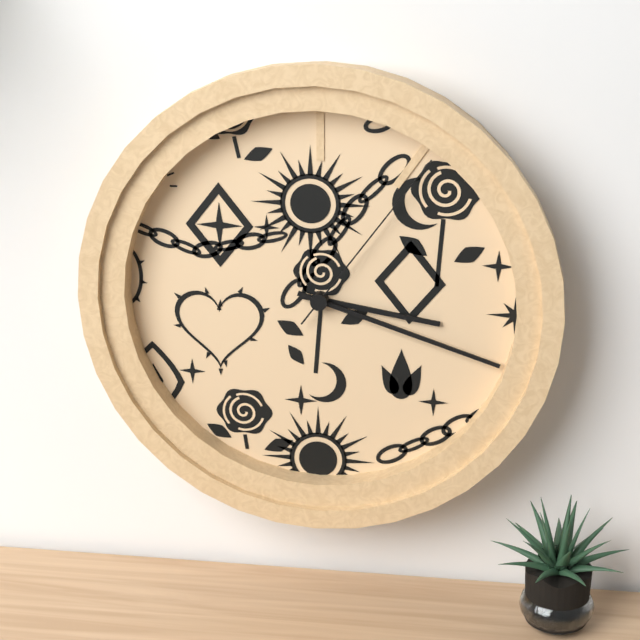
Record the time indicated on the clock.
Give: 3:18:06
